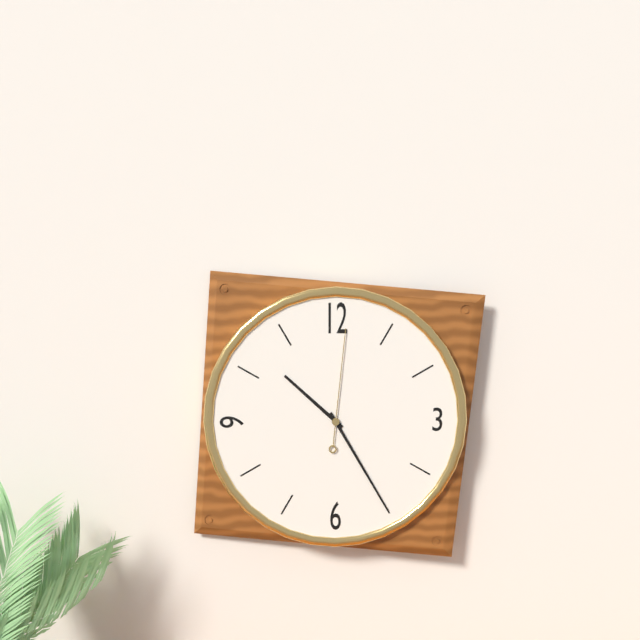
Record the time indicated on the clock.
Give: 10:25:01
